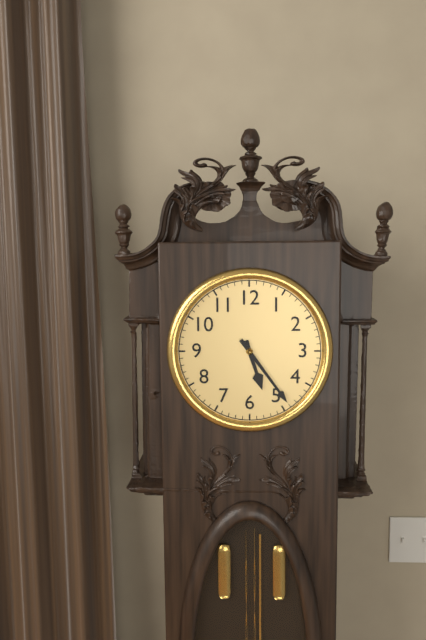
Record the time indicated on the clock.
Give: 5:24
